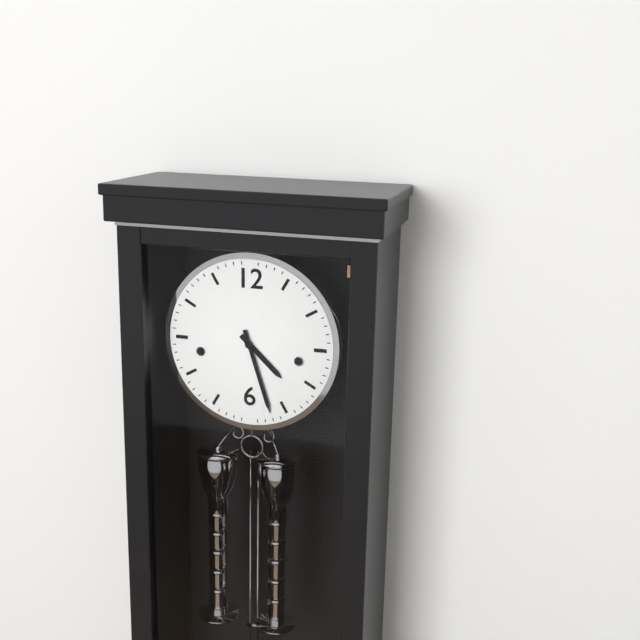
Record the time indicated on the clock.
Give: 4:27
